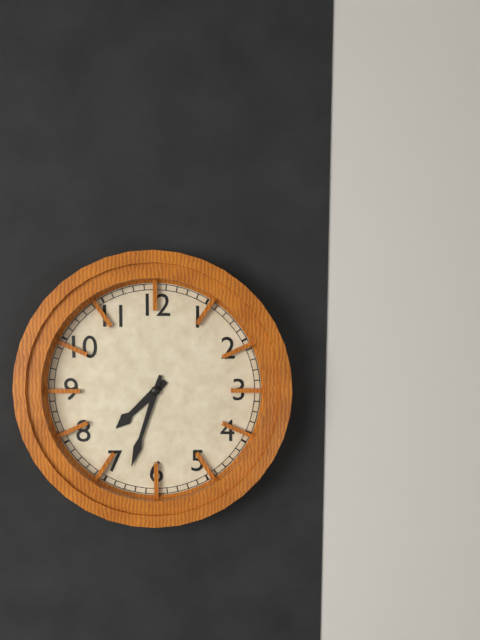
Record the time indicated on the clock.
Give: 7:33
